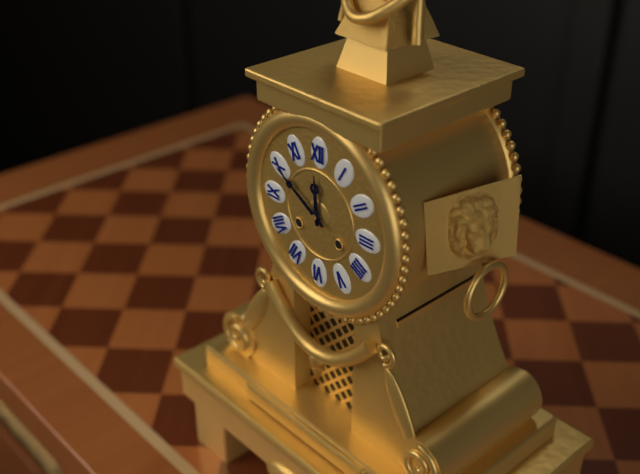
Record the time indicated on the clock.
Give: 11:50
